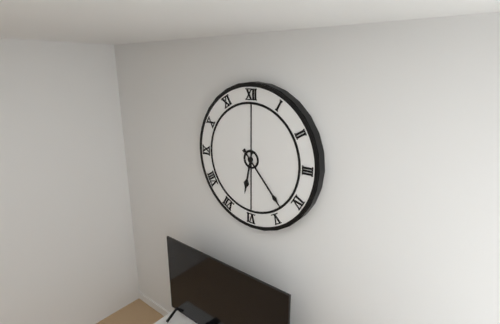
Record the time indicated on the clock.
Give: 6:23
